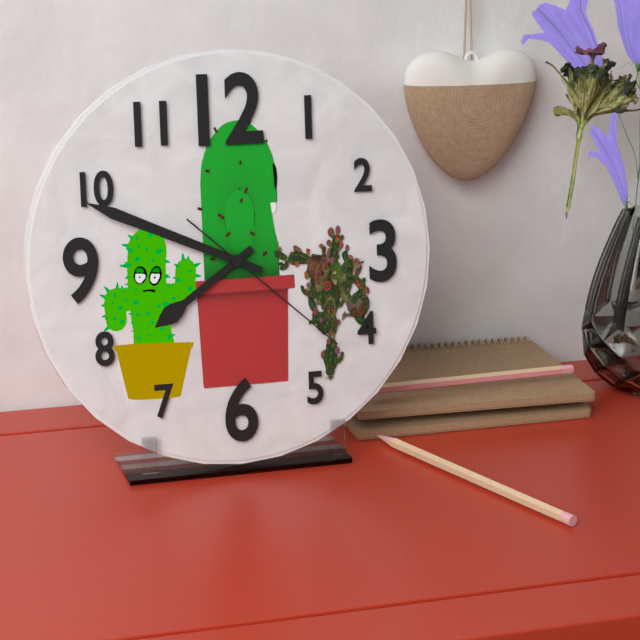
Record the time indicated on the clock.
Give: 7:49:22
